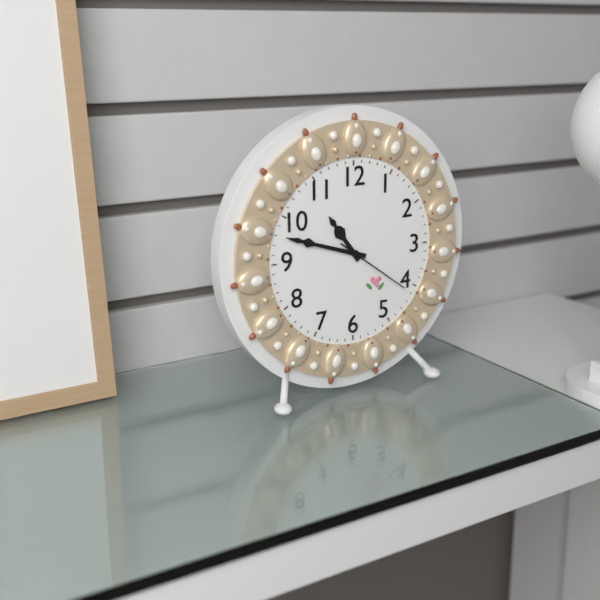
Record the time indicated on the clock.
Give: 10:48:21
